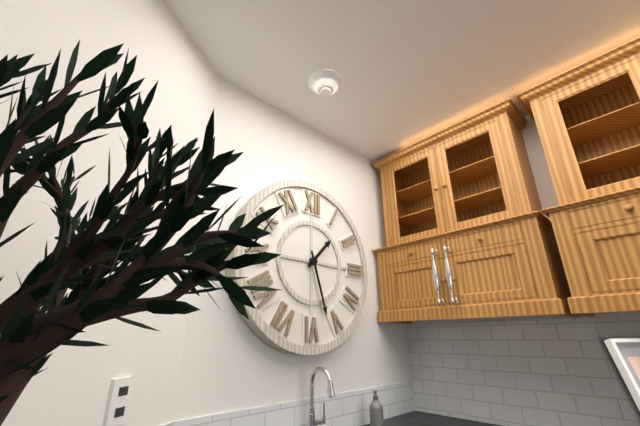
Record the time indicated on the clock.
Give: 1:27
